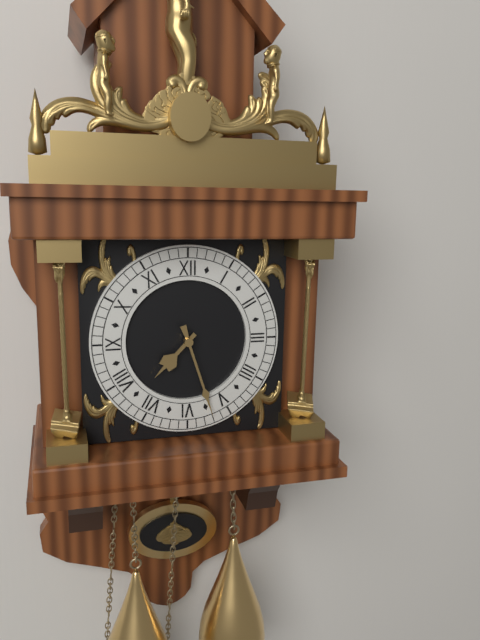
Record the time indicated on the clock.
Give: 7:27
